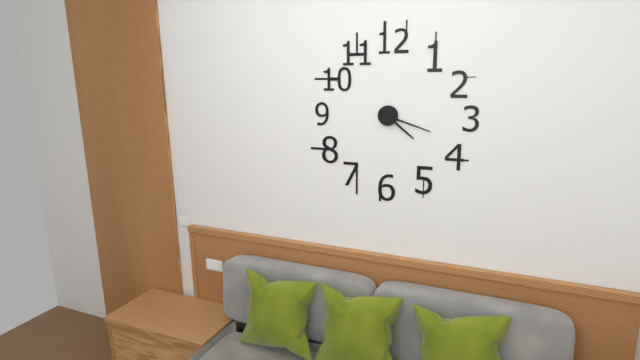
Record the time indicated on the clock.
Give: 4:18
